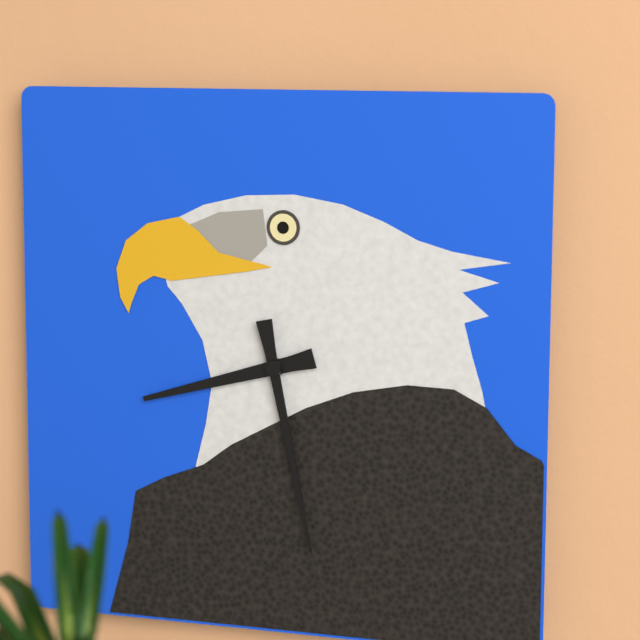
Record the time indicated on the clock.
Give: 8:28
